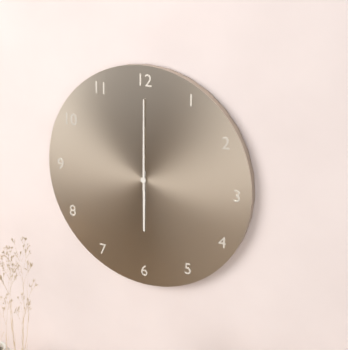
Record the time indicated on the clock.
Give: 6:00
